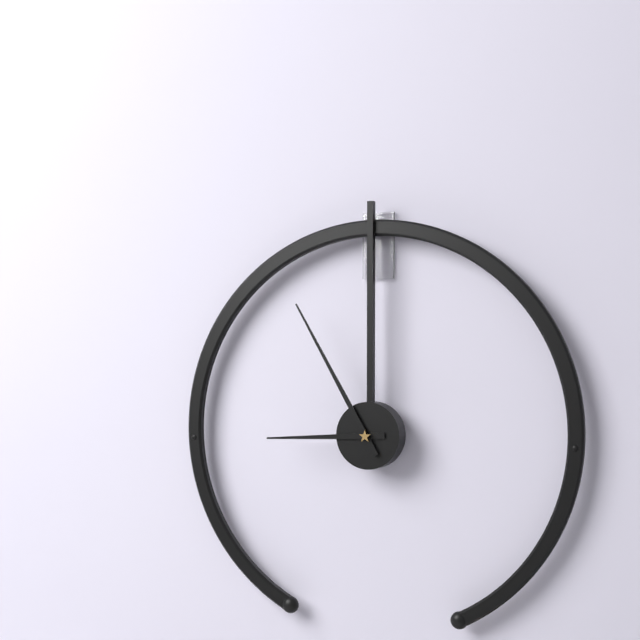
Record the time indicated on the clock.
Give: 8:55
